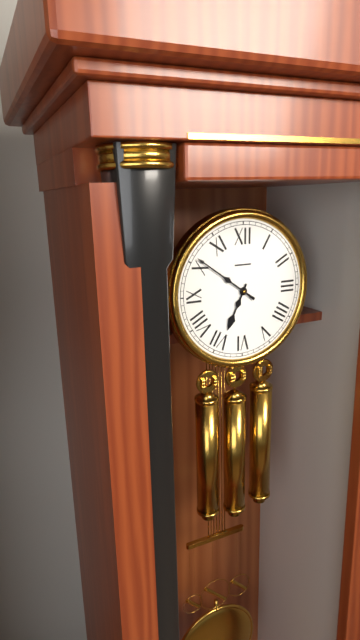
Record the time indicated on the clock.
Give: 6:51
